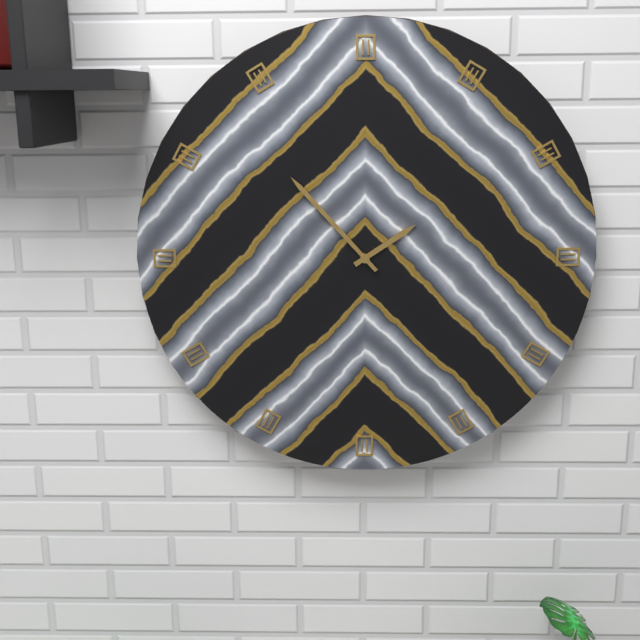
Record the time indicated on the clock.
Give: 1:53
